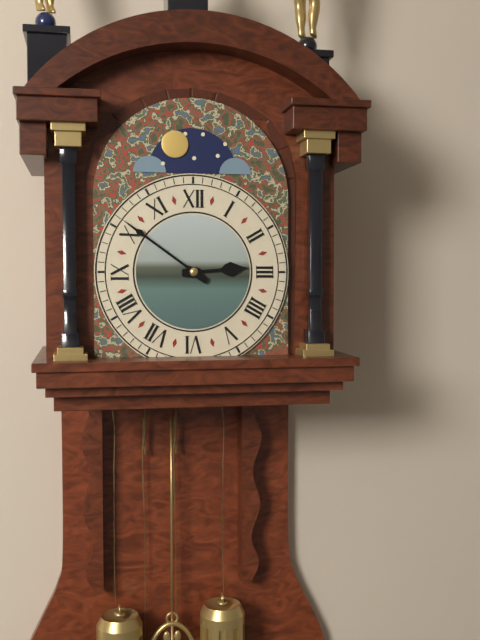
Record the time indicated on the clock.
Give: 2:51
